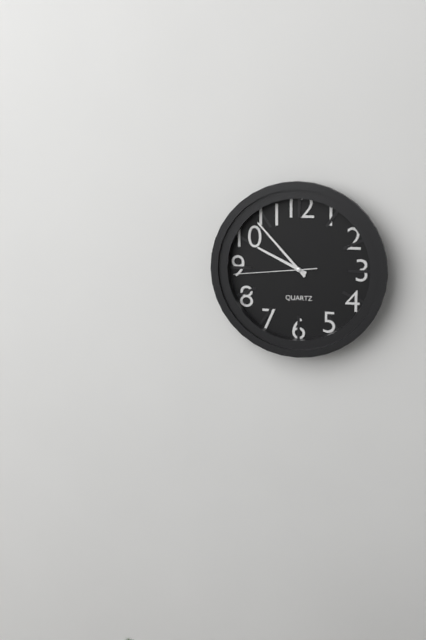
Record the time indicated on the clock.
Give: 9:53:44
